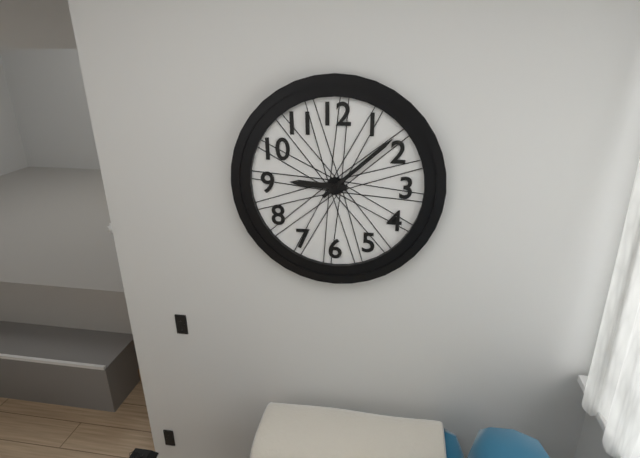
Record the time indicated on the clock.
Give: 9:08
